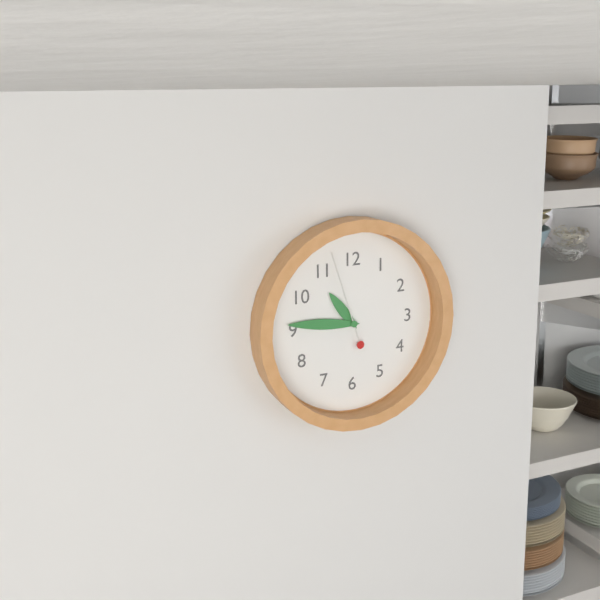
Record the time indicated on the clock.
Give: 10:46:57
